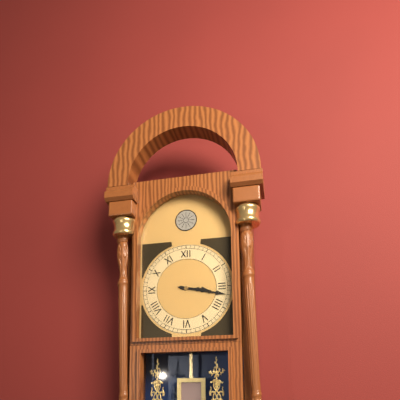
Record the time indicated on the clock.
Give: 3:17
